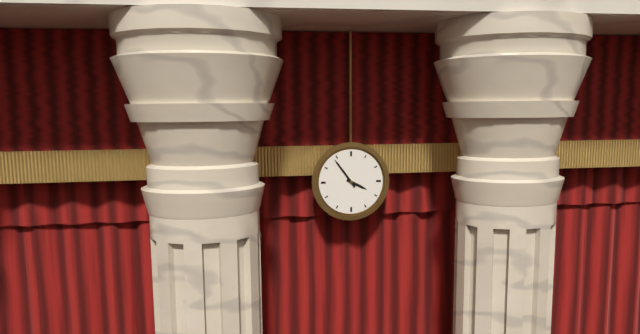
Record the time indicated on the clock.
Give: 3:54
